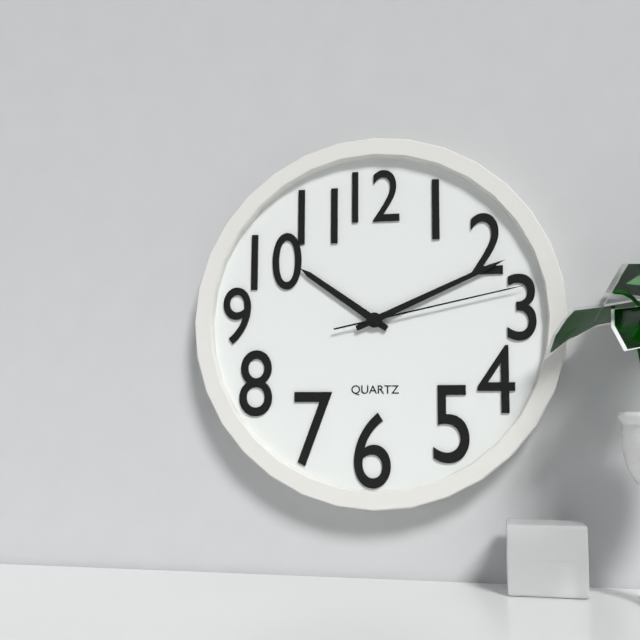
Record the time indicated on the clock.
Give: 10:11:13
